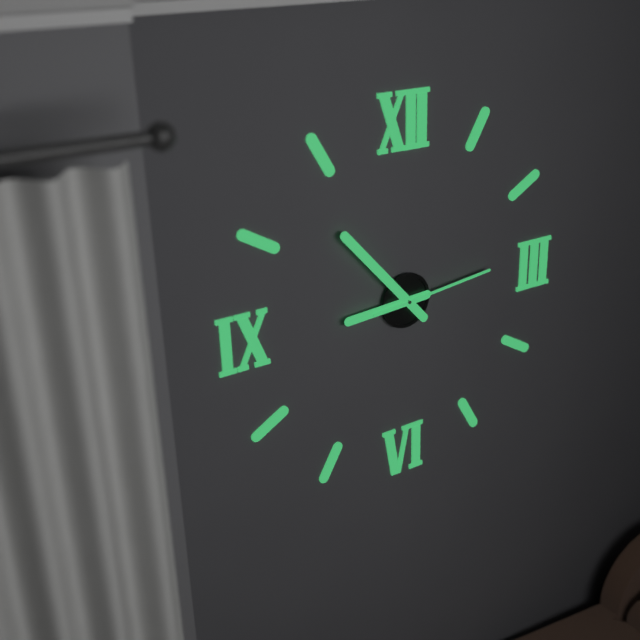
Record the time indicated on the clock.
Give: 8:53:14
